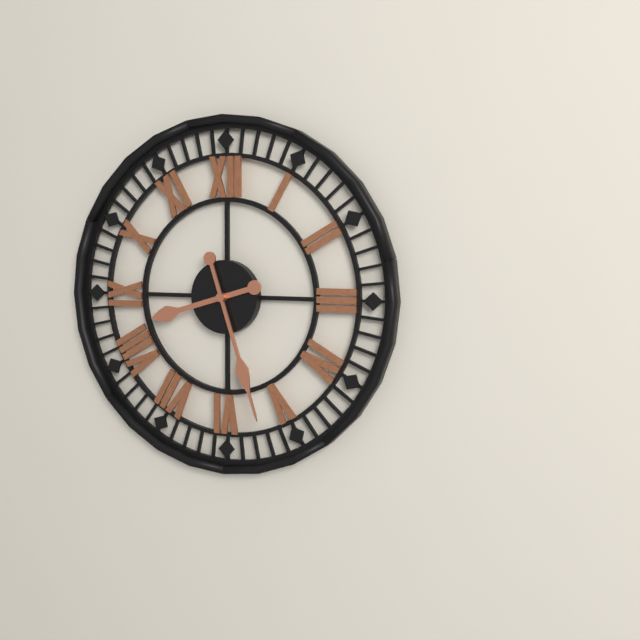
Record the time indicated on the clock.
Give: 8:27
